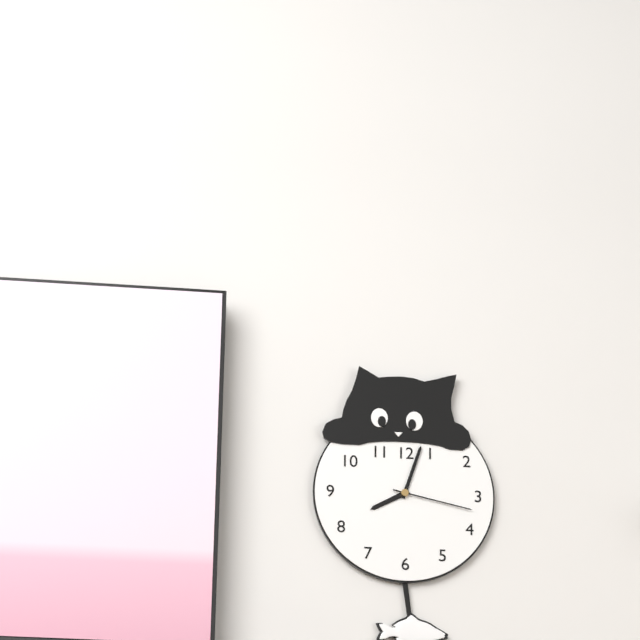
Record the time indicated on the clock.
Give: 8:03:17
